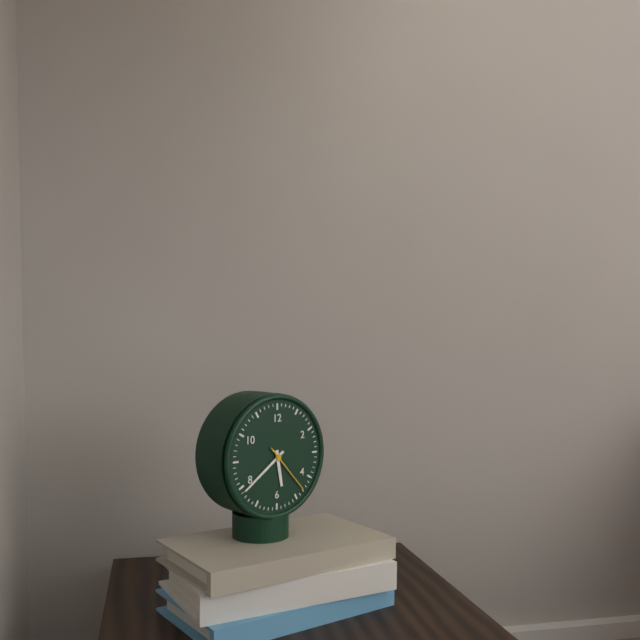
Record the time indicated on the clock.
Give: 5:39:23
